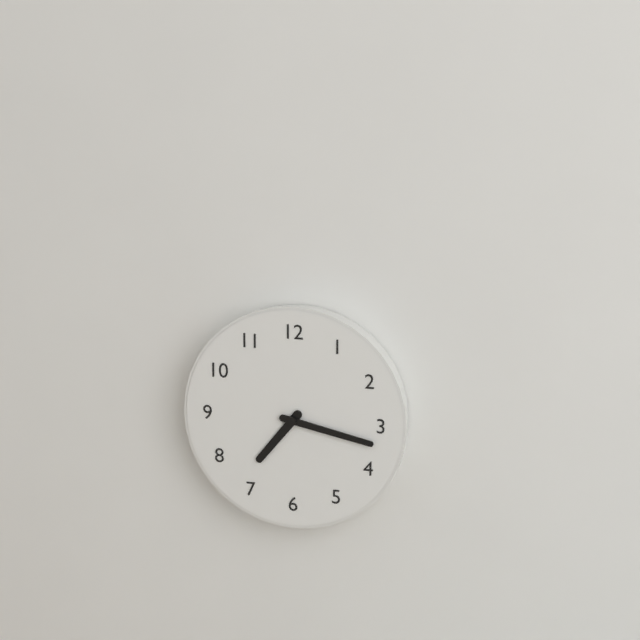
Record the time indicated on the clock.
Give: 7:17
